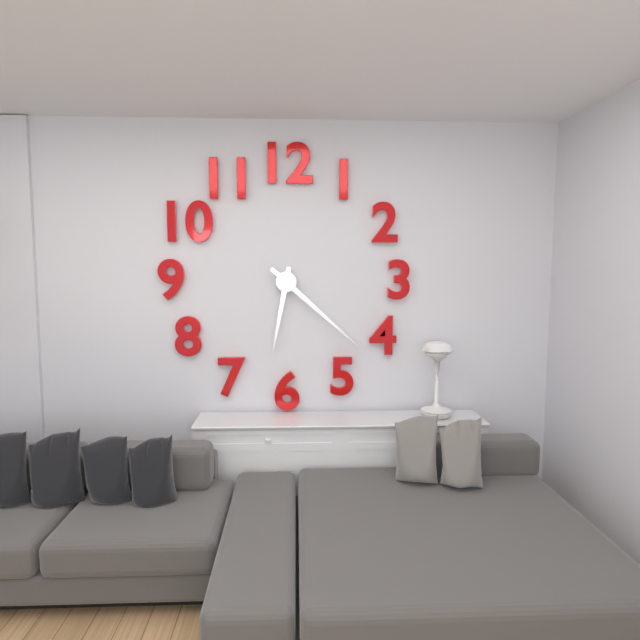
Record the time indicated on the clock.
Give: 6:22
